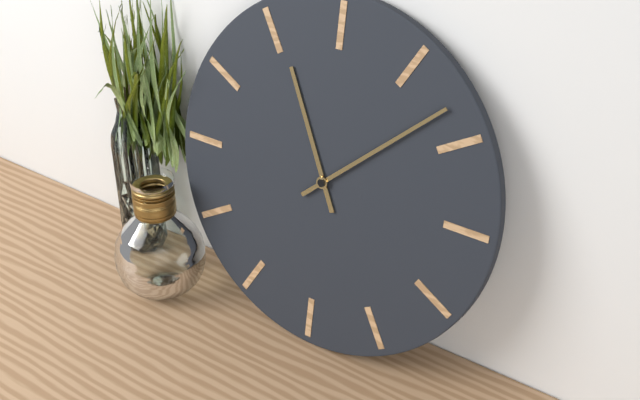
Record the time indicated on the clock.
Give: 11:08
